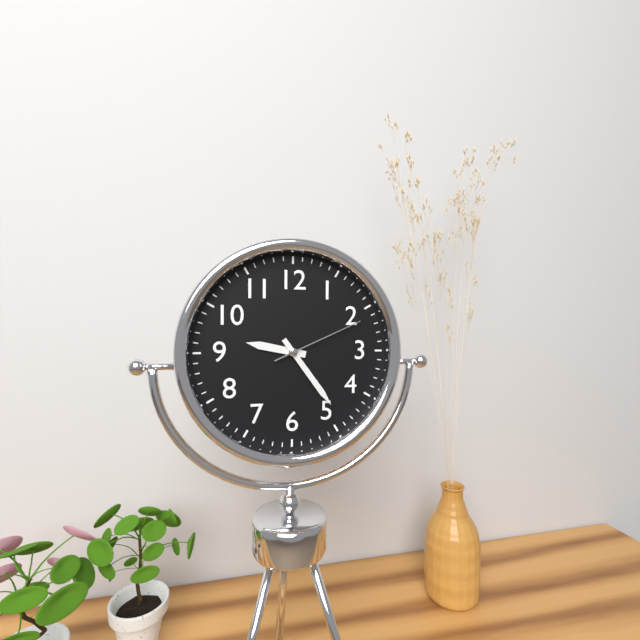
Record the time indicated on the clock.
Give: 9:24:11
